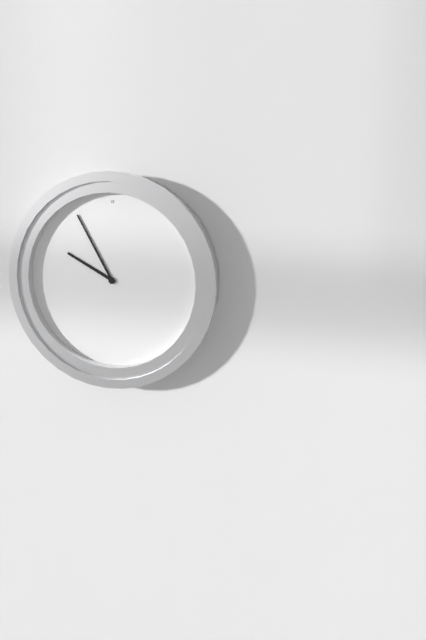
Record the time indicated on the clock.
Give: 9:55
